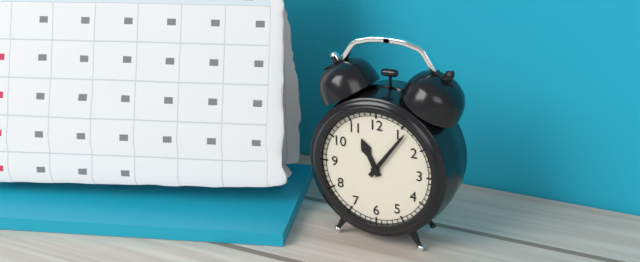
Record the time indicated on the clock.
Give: 11:06
